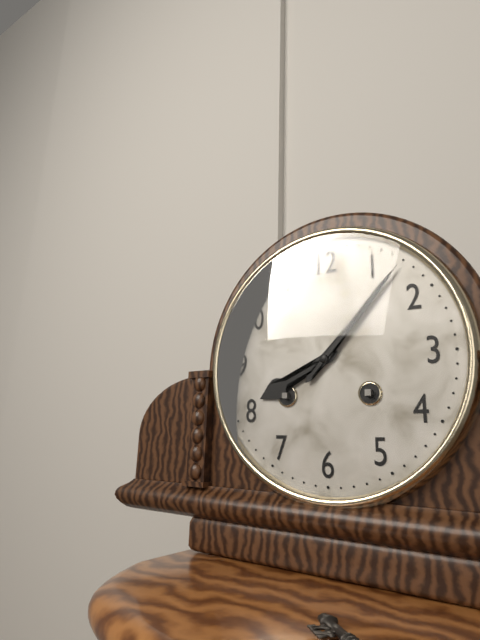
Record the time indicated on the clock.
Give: 8:07
